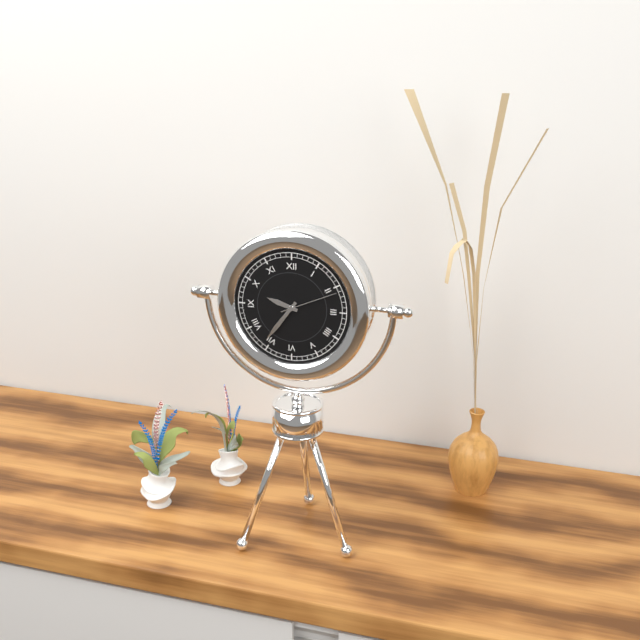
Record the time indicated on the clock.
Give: 9:36:11
